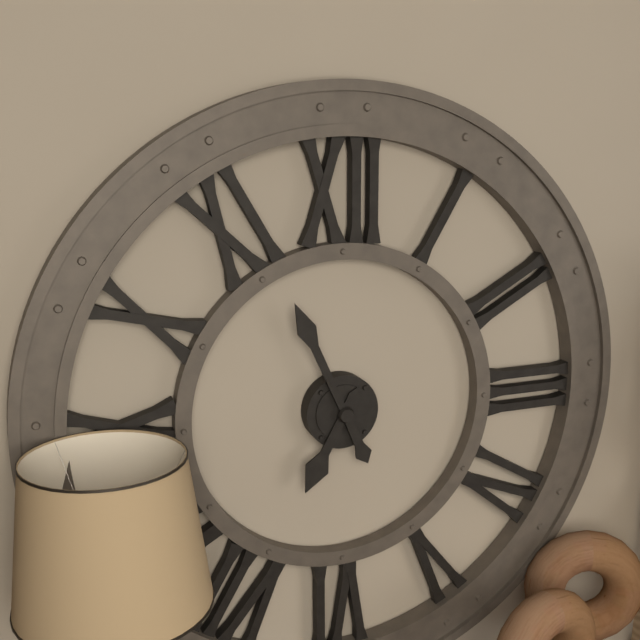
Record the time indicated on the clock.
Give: 6:56
